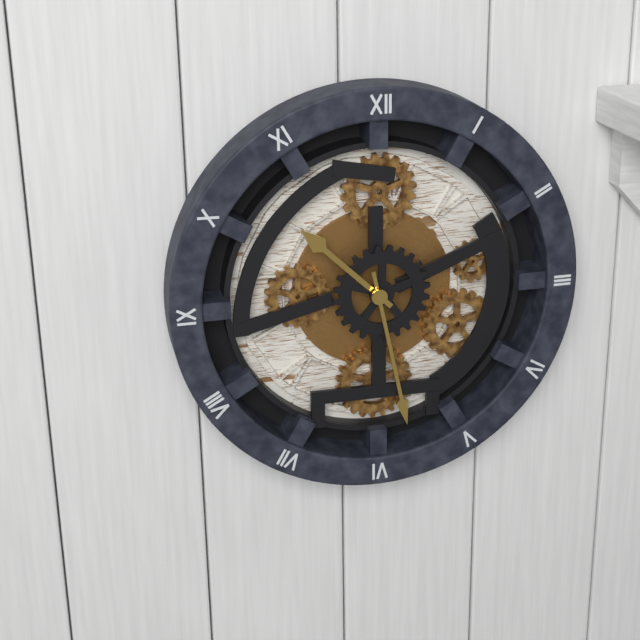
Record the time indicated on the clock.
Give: 10:28
